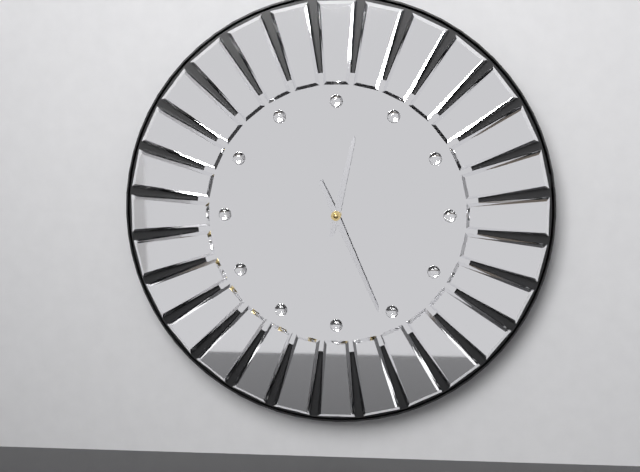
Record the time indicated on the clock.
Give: 12:26
